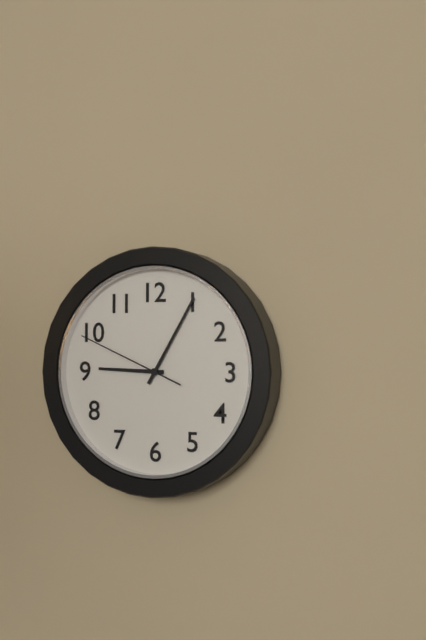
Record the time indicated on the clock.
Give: 9:05:49
